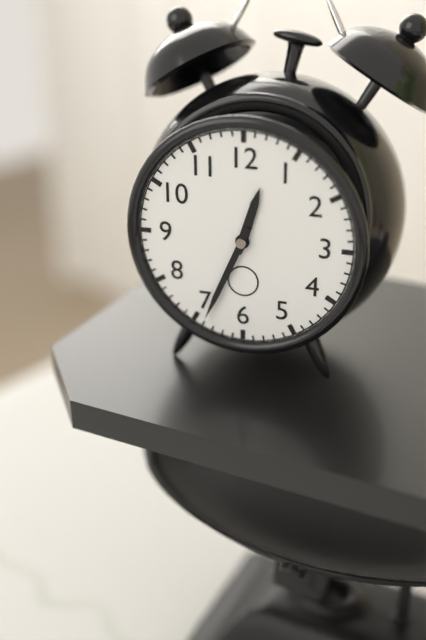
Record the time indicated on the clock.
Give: 12:34
